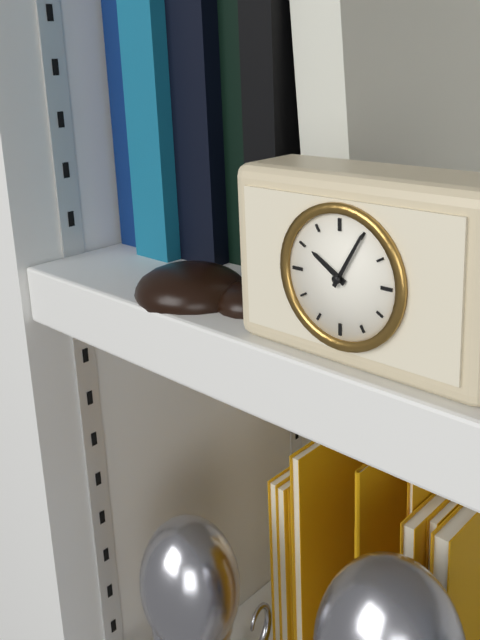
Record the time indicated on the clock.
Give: 10:05
